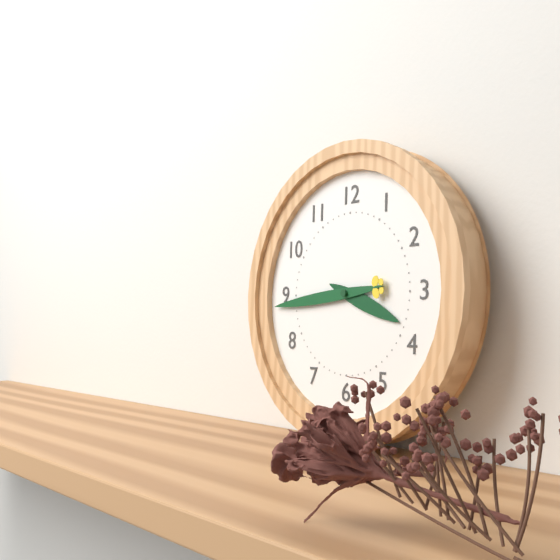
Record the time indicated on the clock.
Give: 3:44
